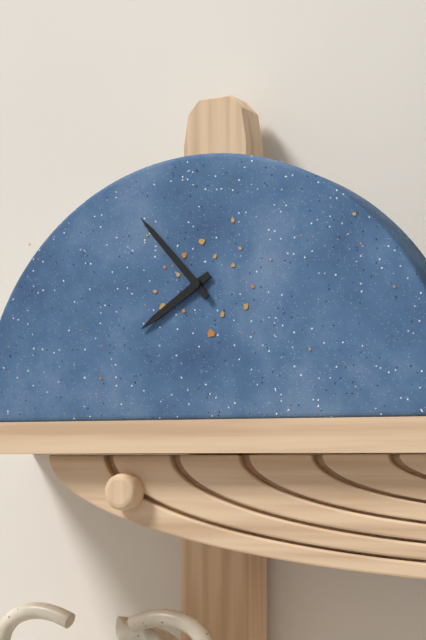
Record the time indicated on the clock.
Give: 7:53
